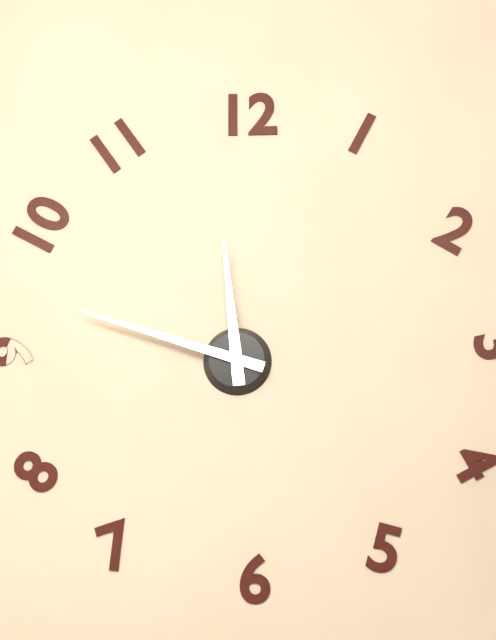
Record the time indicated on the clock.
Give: 11:48
